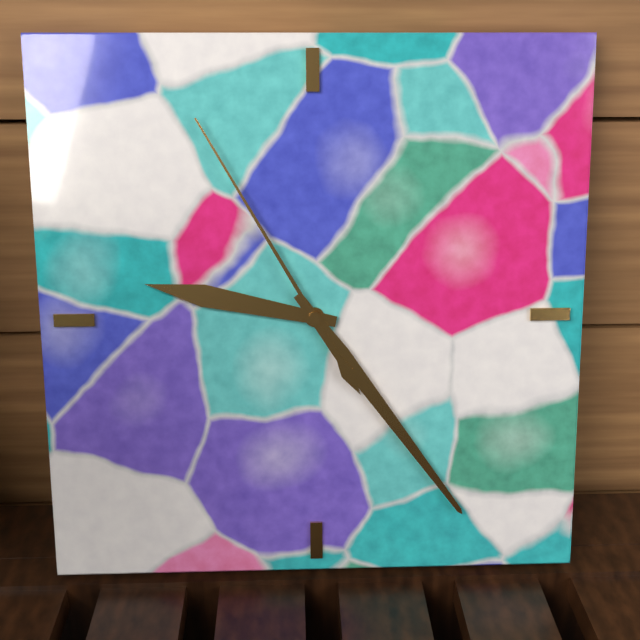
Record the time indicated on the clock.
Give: 9:24:55
